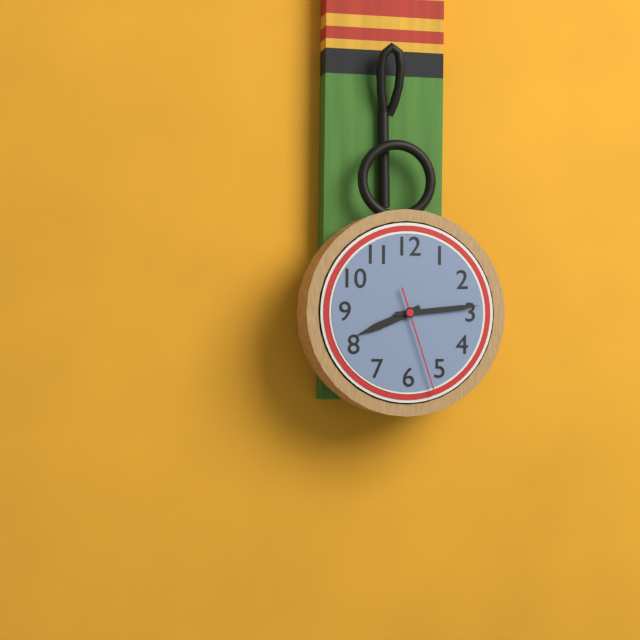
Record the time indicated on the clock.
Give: 8:14:27
